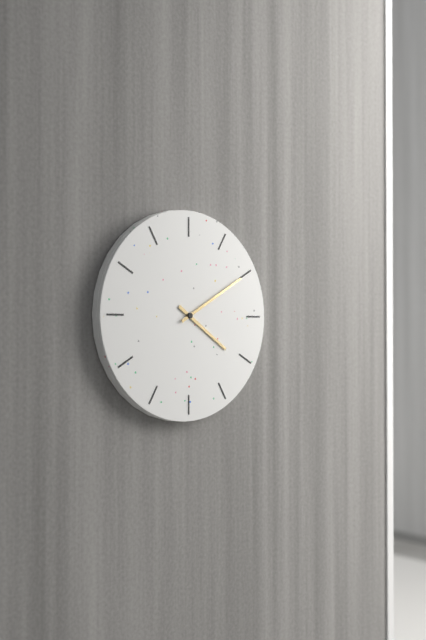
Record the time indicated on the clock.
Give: 4:10
